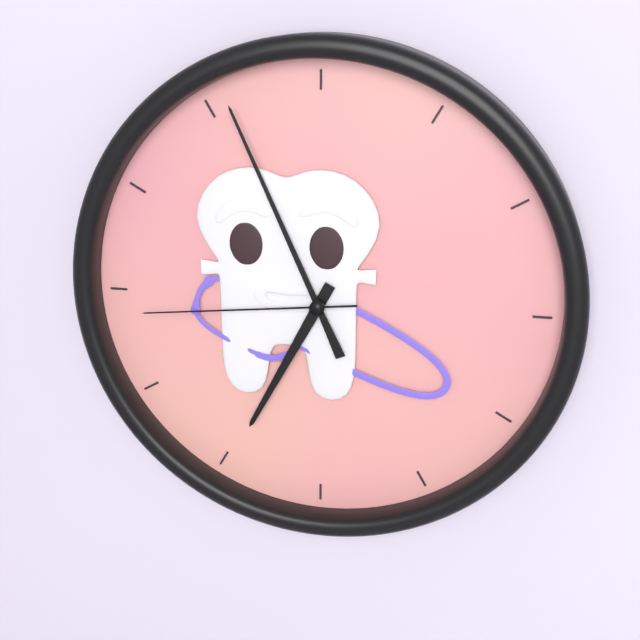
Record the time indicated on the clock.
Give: 6:56:44
